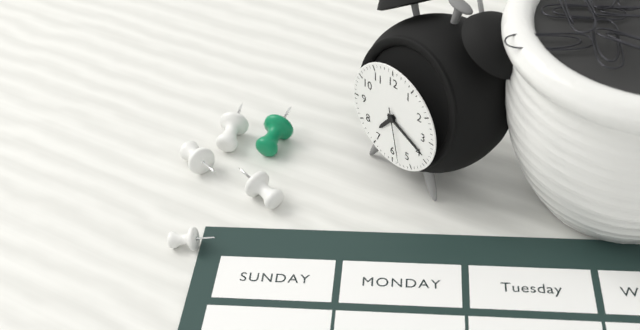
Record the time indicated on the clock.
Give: 7:19:28
